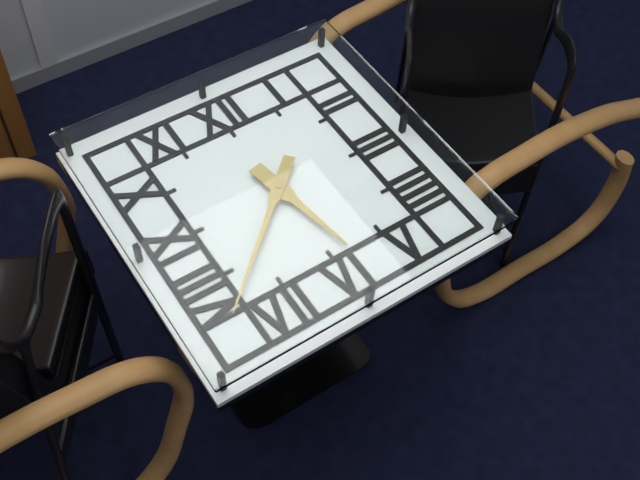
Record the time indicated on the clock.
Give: 5:38
